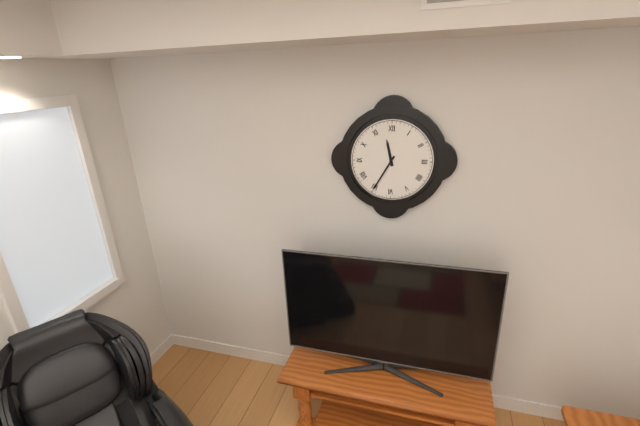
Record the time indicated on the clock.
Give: 11:35
